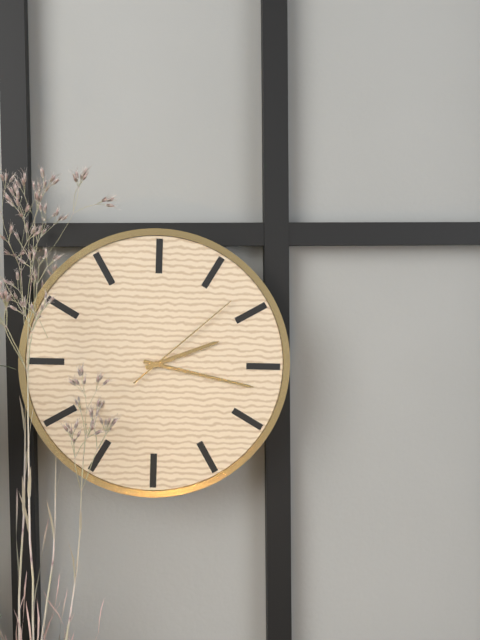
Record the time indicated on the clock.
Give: 2:17:08
